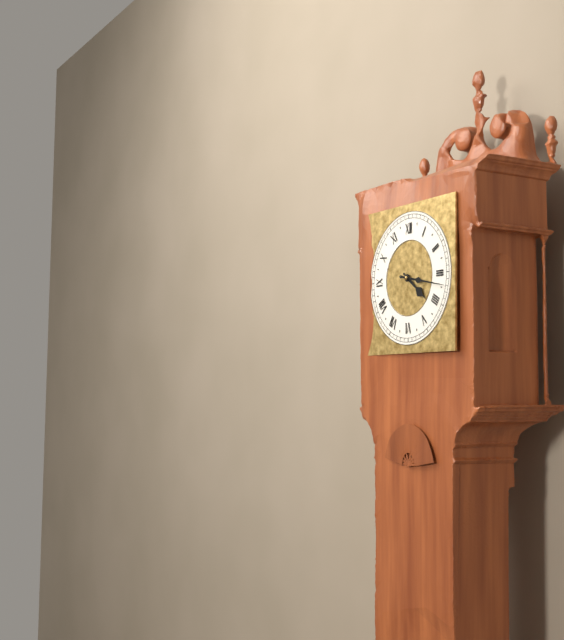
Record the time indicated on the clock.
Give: 4:17
